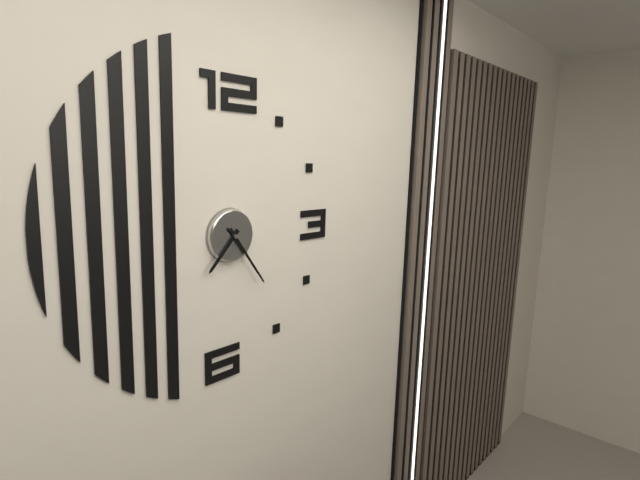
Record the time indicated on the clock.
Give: 7:24
